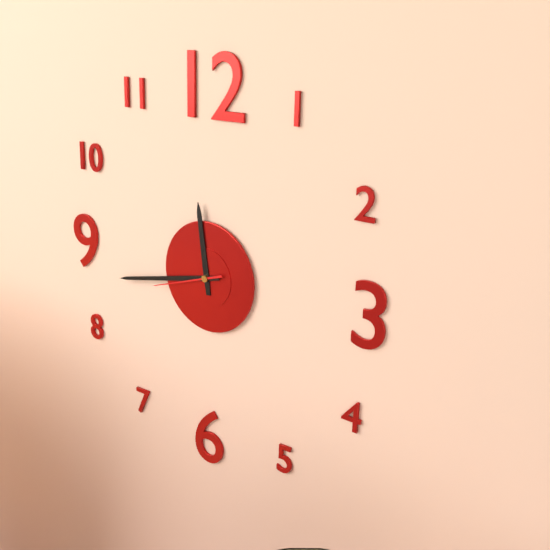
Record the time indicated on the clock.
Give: 11:43:42
